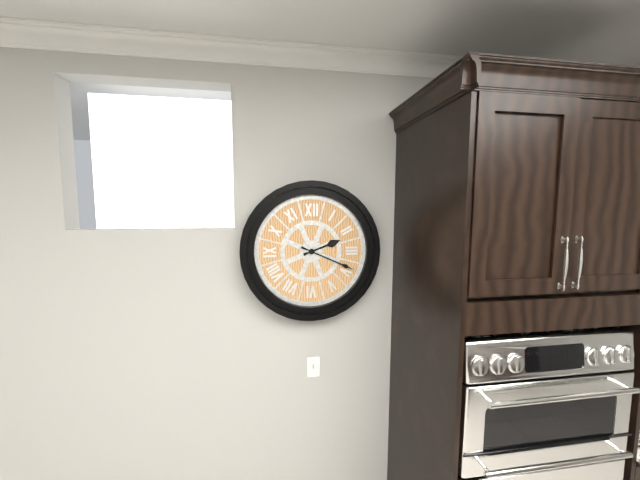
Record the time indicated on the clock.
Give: 2:19
